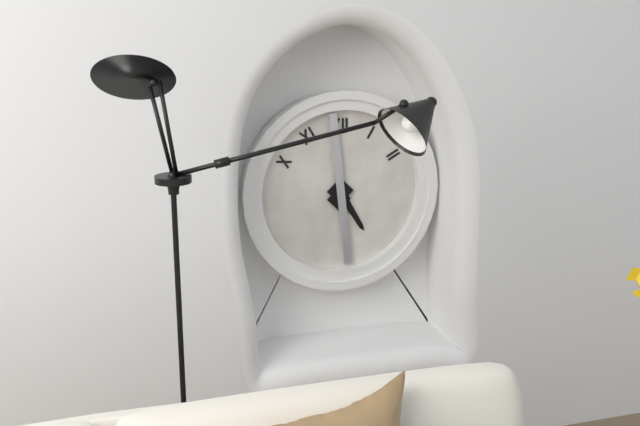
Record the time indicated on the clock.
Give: 4:59
